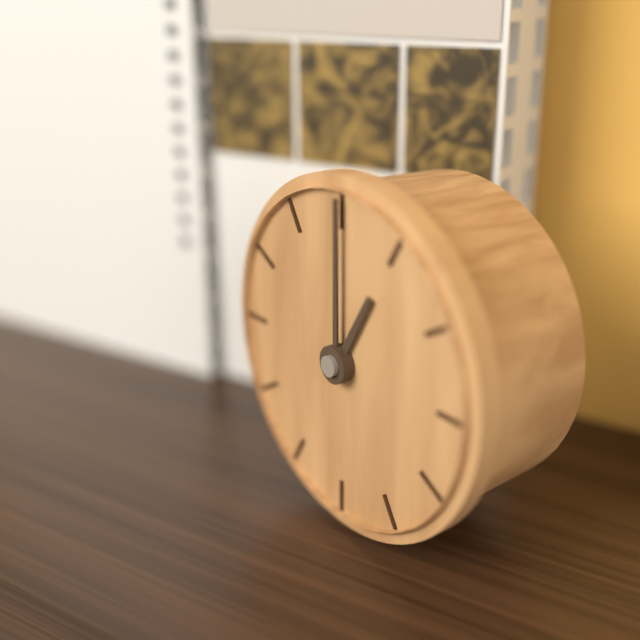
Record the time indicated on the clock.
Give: 1:00
